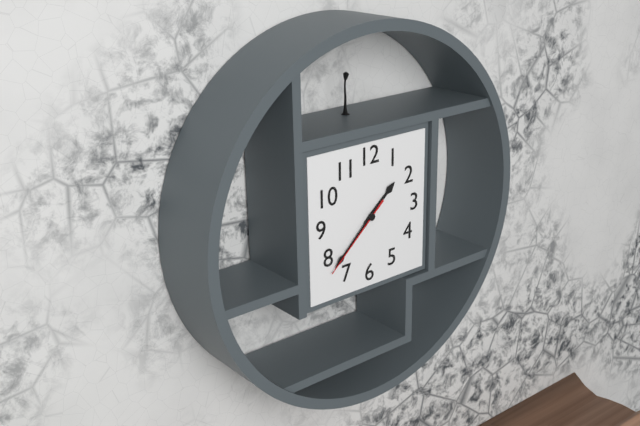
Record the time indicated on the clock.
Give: 1:38:38
